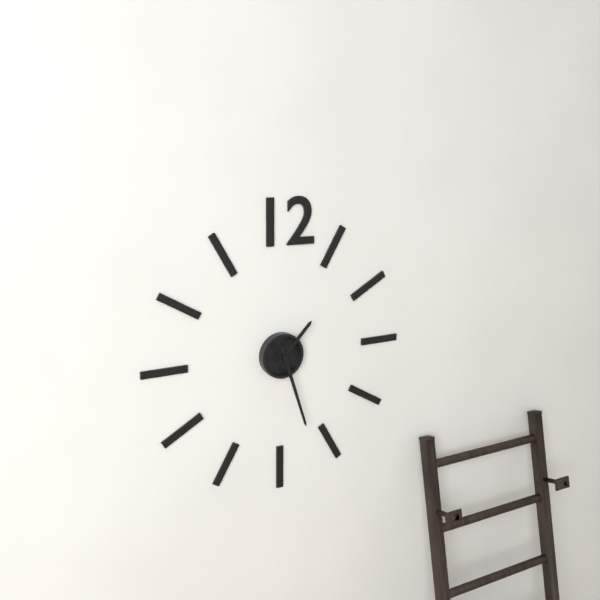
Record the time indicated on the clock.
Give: 1:27
